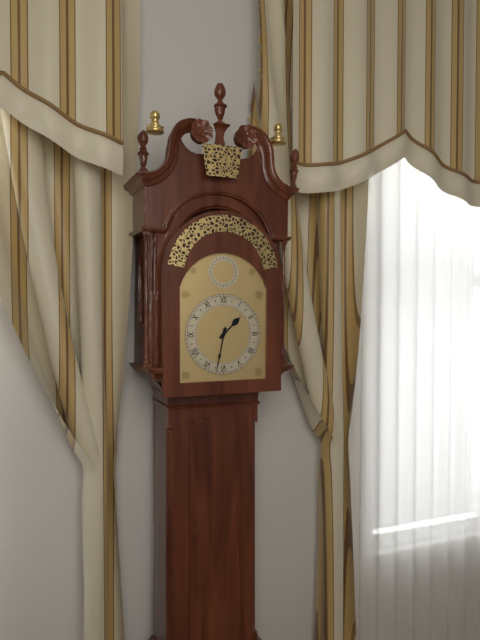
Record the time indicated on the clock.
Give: 1:32
